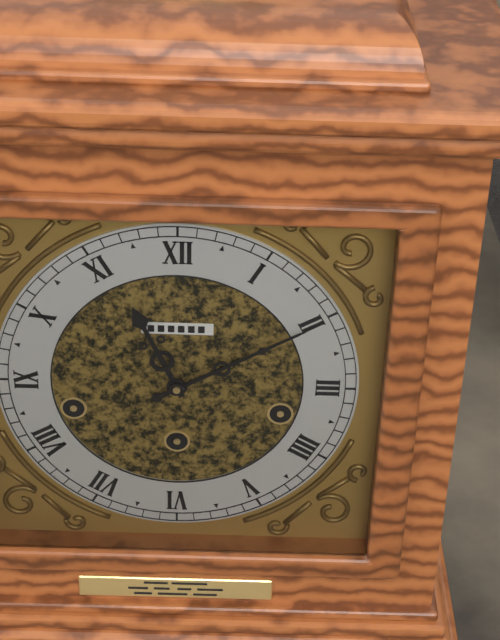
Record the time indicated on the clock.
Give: 11:10
